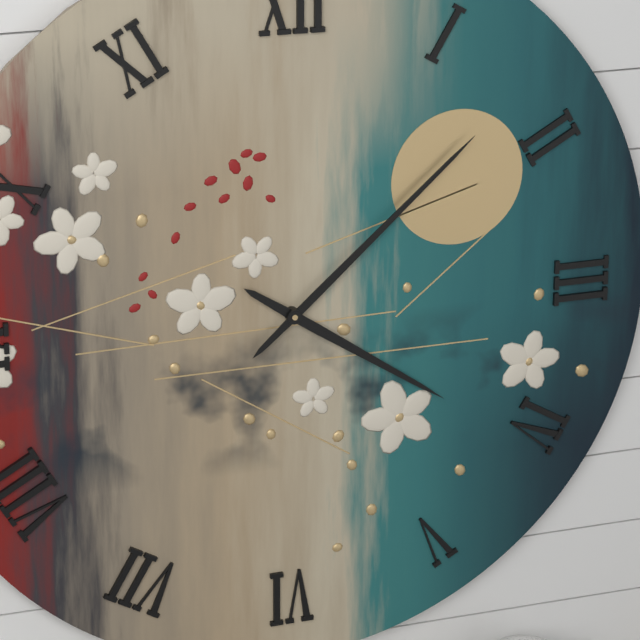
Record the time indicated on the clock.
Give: 4:08
